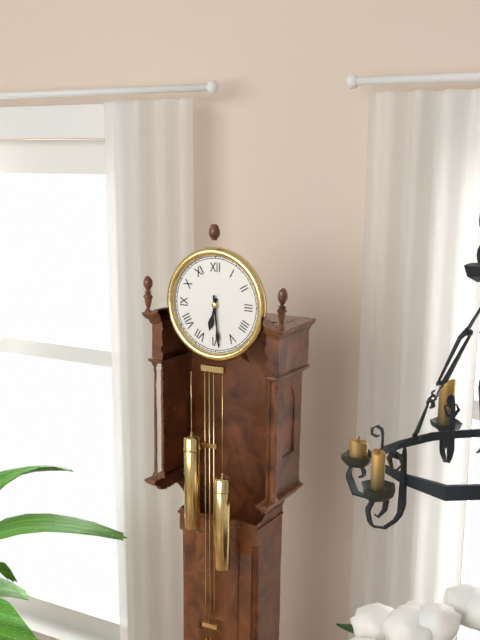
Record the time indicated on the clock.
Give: 6:29
